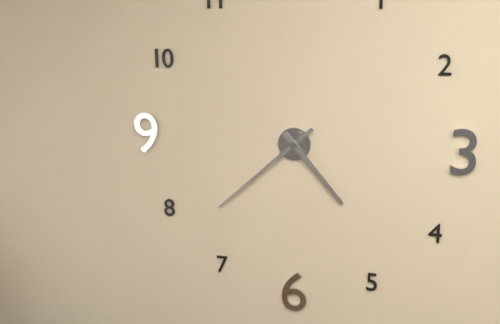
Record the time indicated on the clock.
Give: 4:38
